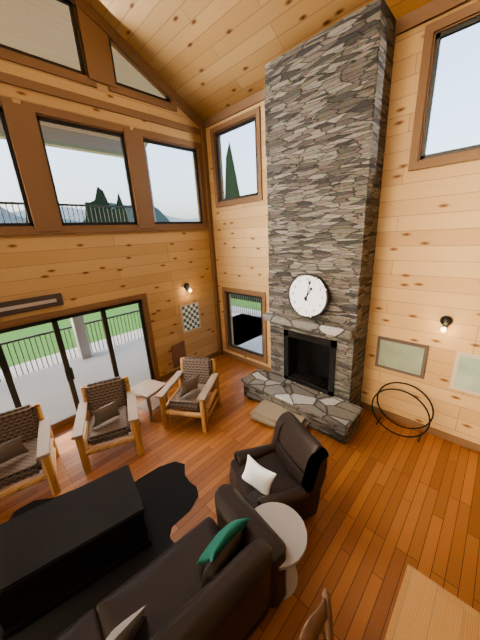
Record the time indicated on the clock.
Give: 1:02
